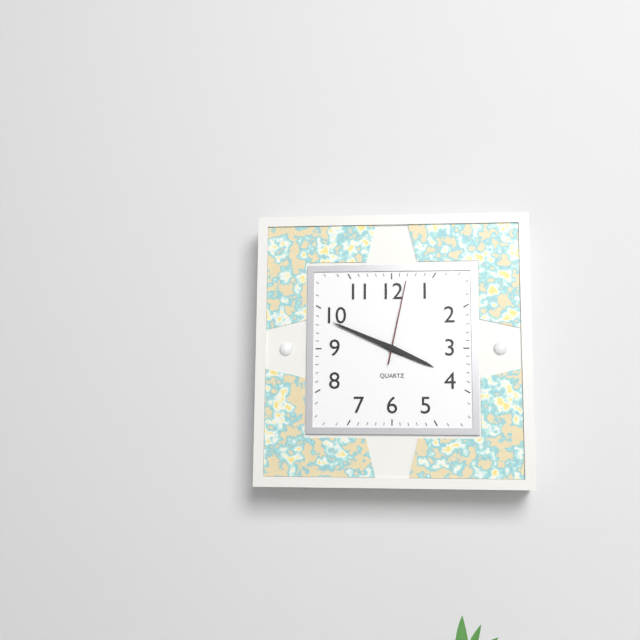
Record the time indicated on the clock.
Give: 3:49:02
